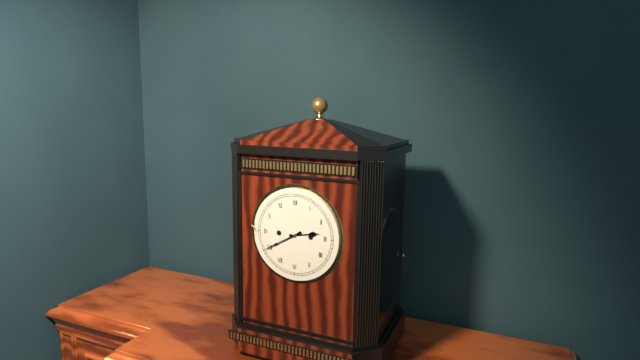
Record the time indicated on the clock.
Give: 2:40
